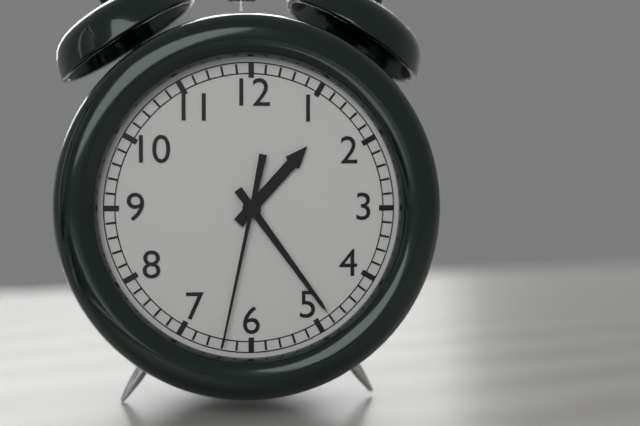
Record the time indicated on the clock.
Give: 1:24:32
